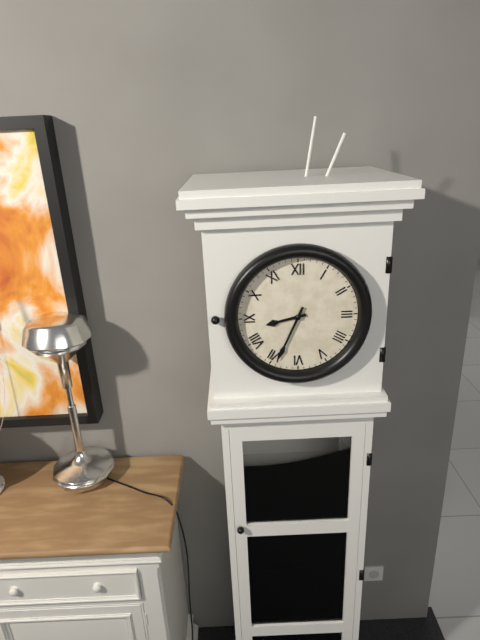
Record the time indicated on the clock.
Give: 8:34
